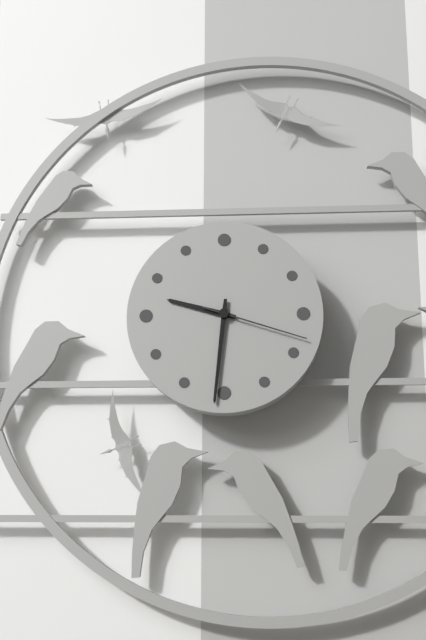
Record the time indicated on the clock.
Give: 9:31:18
